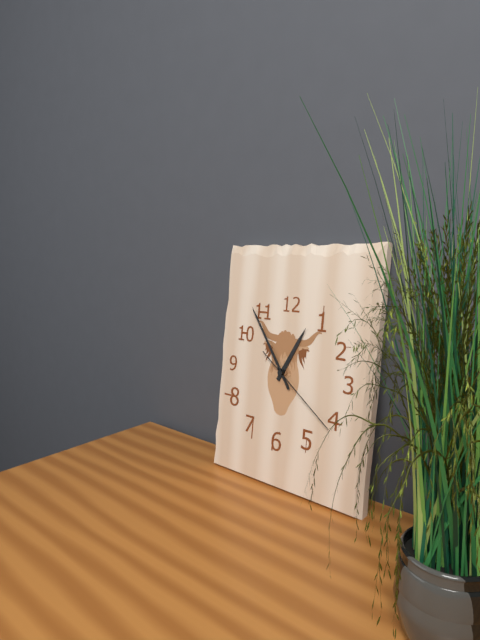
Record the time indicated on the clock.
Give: 12:54:21
